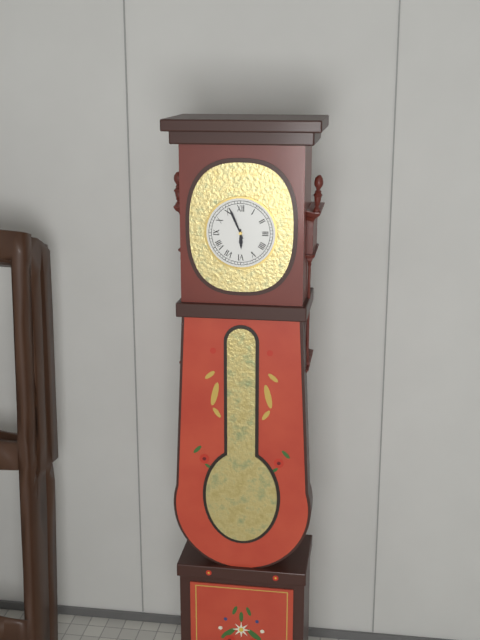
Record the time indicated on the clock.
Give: 5:56
